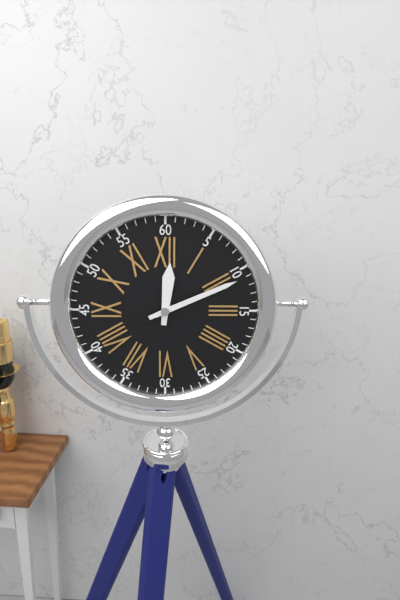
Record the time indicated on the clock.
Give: 12:11
